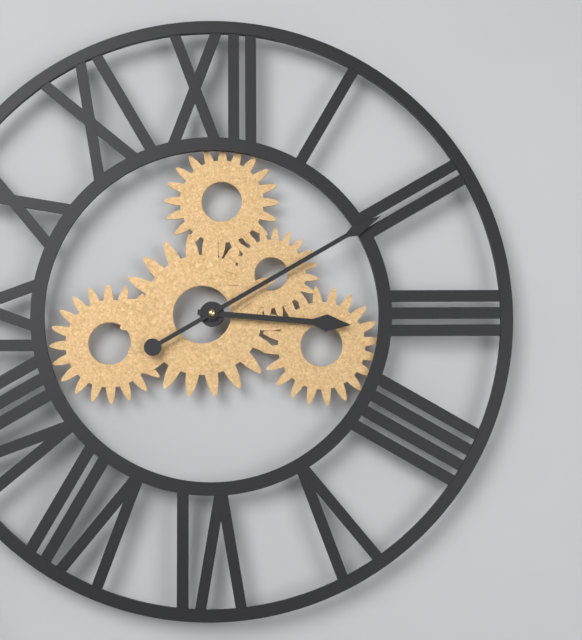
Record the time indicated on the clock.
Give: 3:10
